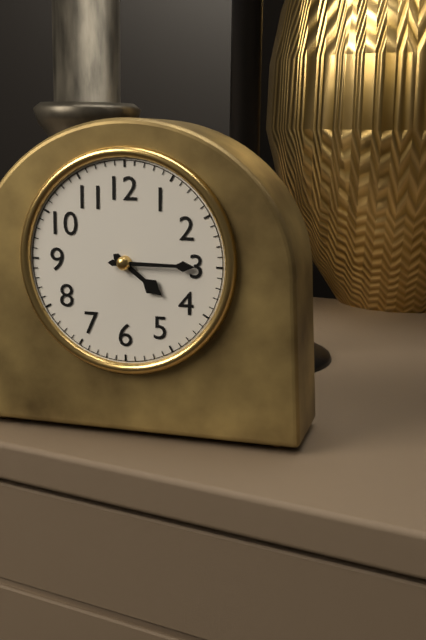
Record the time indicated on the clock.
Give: 4:15
